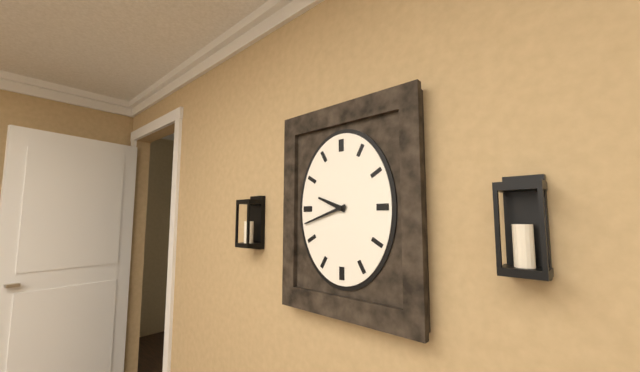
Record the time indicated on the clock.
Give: 9:42
